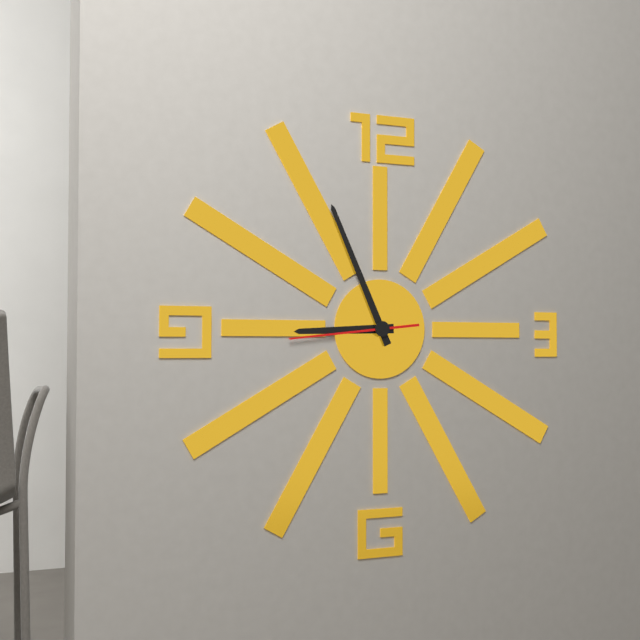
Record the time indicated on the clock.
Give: 8:56:44
